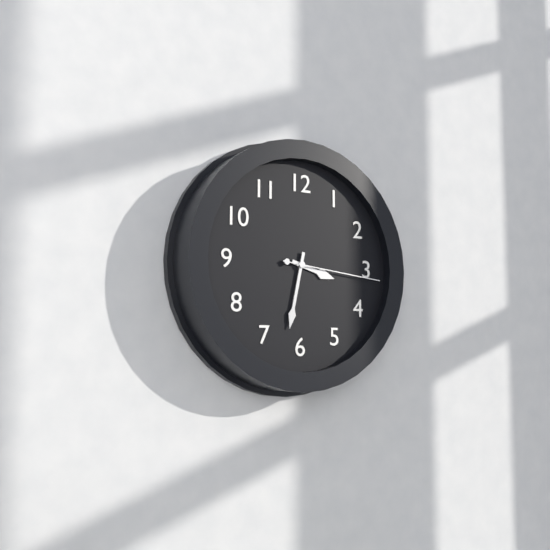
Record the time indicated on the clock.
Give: 3:32:16
